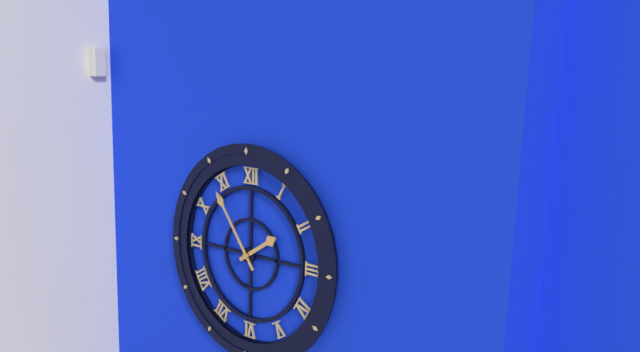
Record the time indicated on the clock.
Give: 1:54
